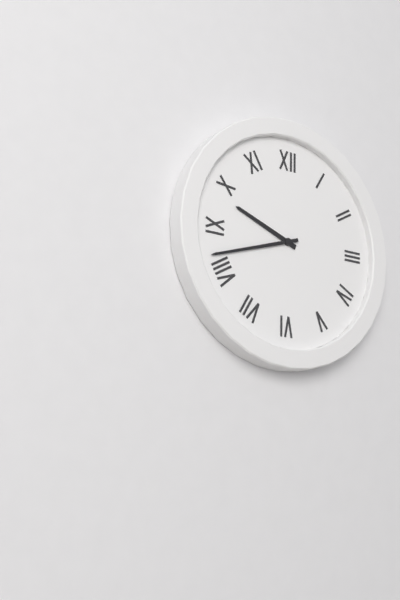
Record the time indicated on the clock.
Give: 9:42
